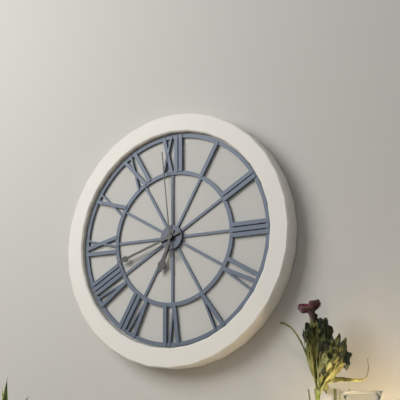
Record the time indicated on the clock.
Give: 6:42:59
